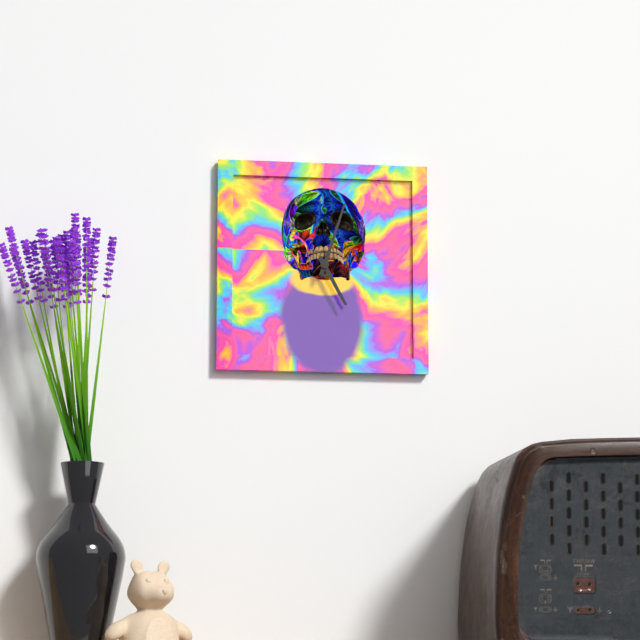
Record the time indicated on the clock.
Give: 5:03
